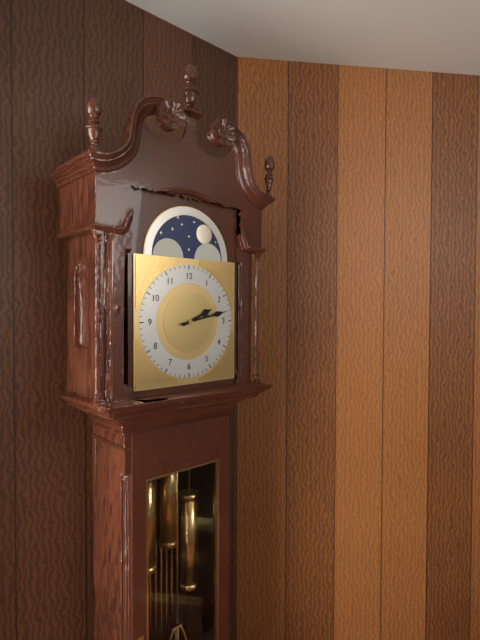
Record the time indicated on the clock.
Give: 2:13
